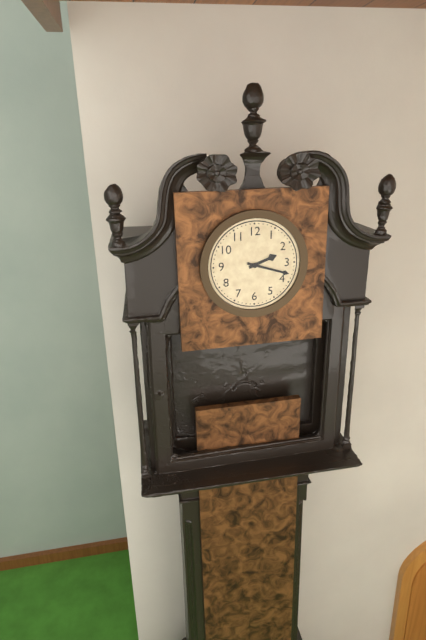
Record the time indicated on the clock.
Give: 2:18
